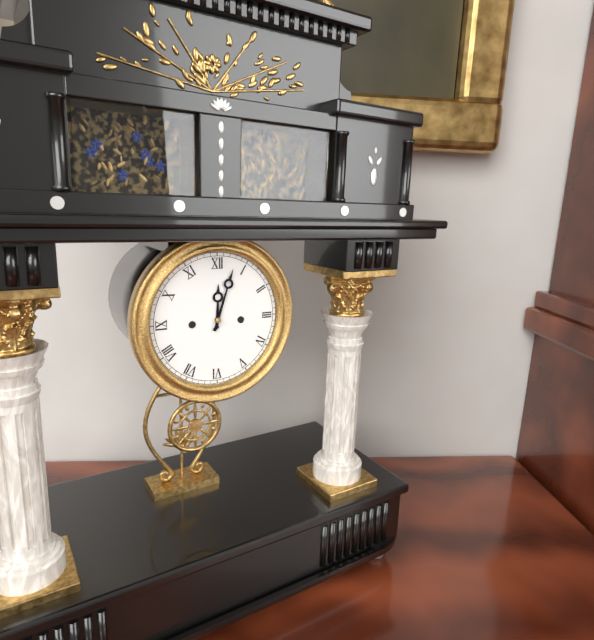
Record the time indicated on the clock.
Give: 12:03
